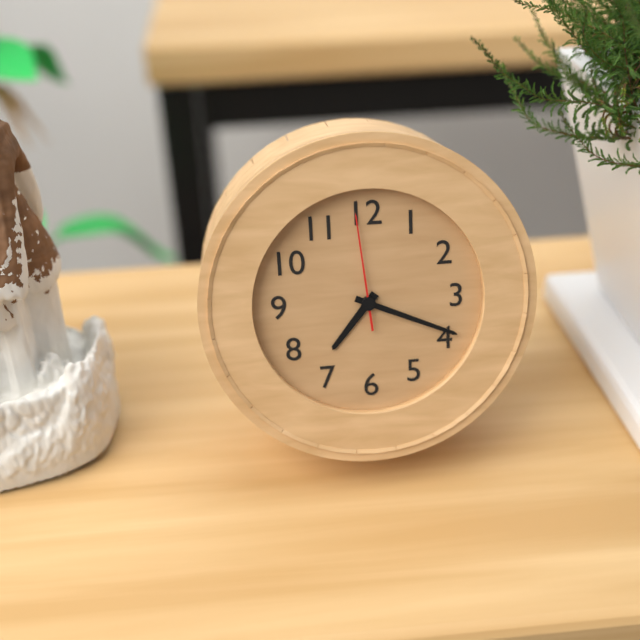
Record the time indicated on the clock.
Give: 7:19:59
